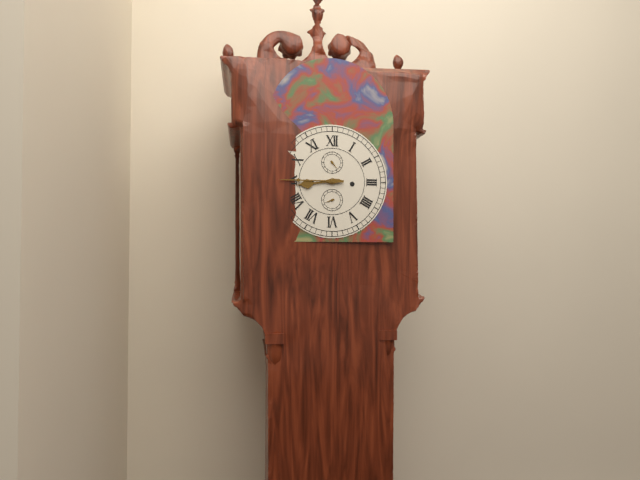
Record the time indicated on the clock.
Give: 8:45
